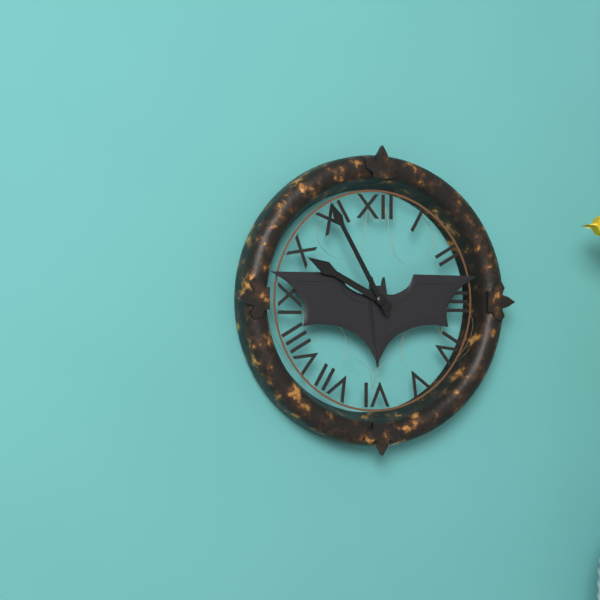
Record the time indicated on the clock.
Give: 9:55
